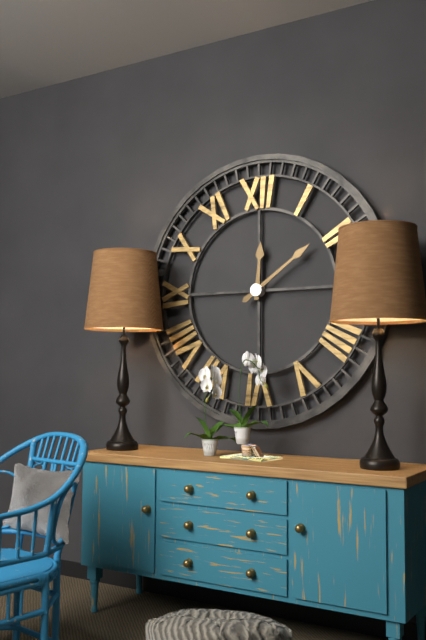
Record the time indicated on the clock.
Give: 12:09
